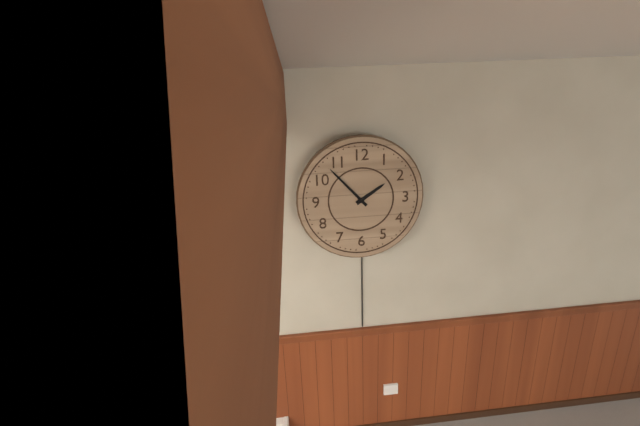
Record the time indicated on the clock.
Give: 1:53
